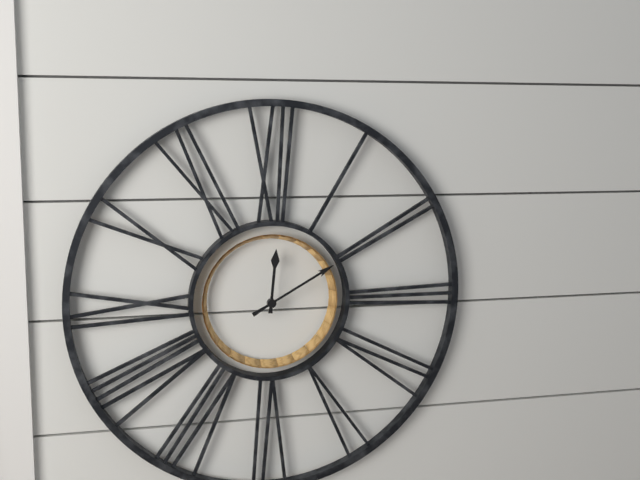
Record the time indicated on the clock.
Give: 12:10
